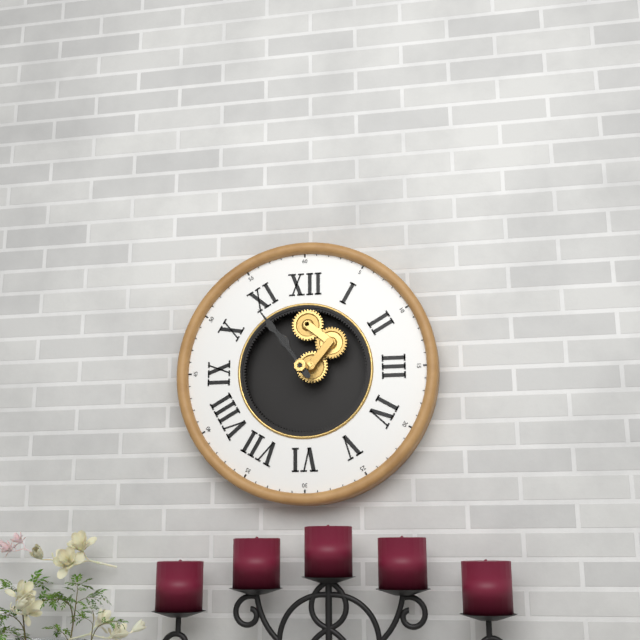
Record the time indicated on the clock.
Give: 10:54
